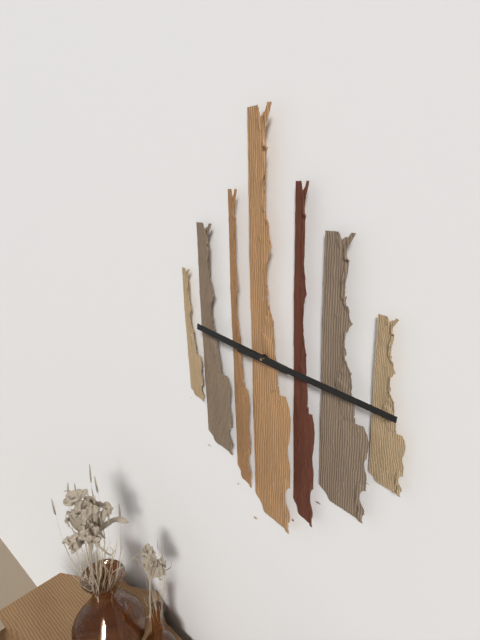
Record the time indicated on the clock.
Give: 9:16
